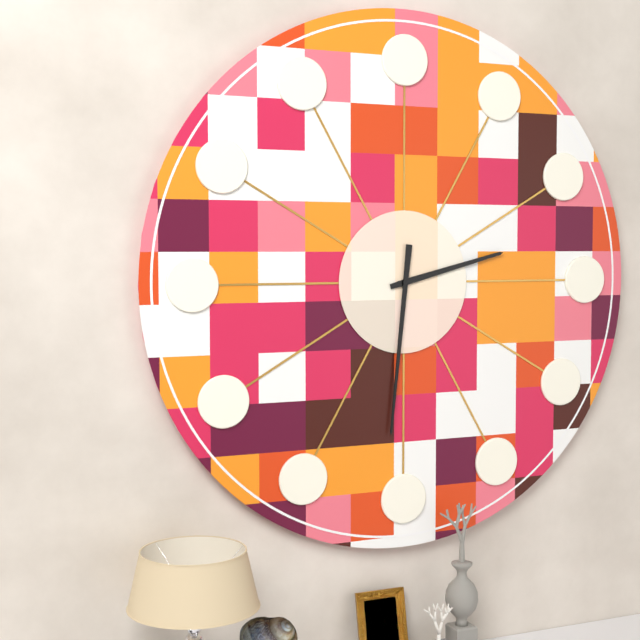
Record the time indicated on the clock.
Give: 2:31
